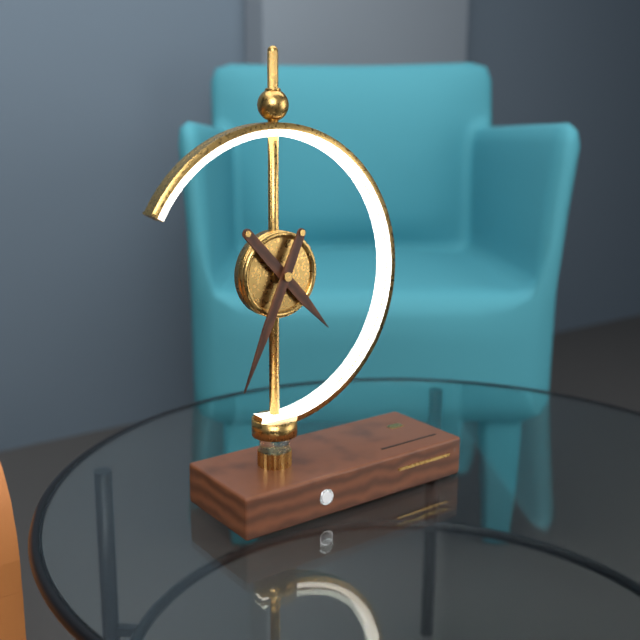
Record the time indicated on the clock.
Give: 4:34
